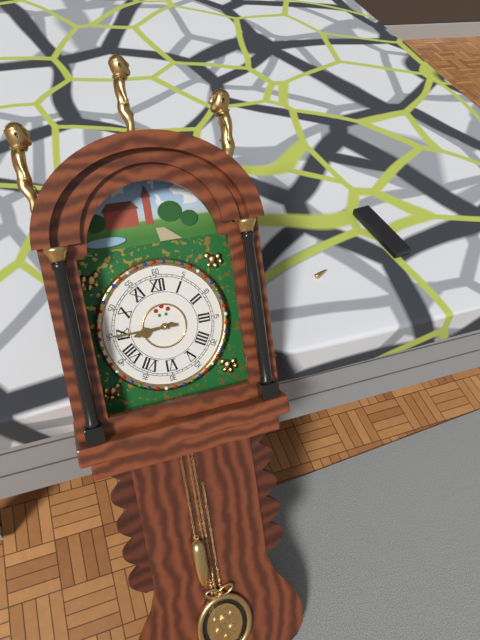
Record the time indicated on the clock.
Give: 8:45
